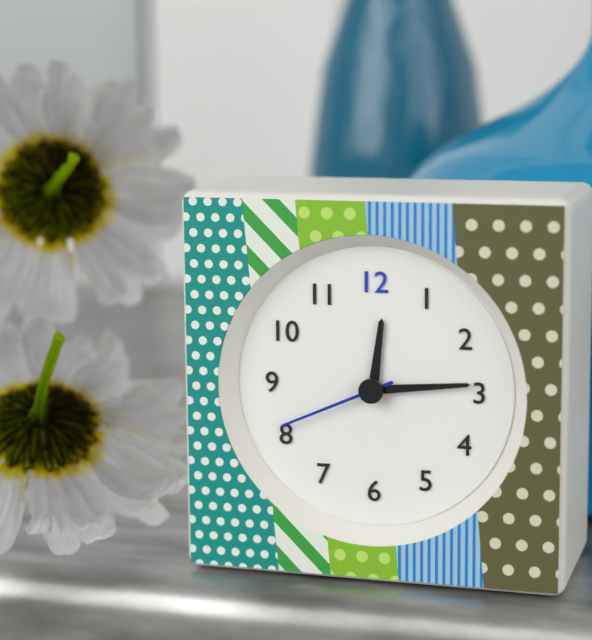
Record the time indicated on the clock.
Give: 12:14:41
